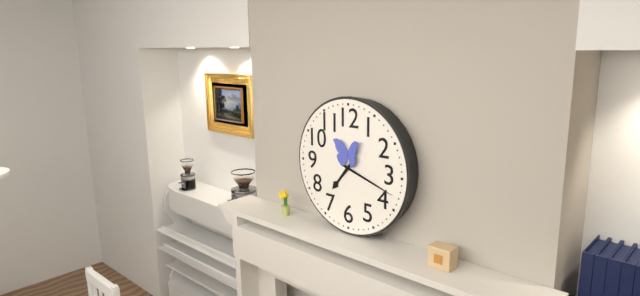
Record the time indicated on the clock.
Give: 7:18
